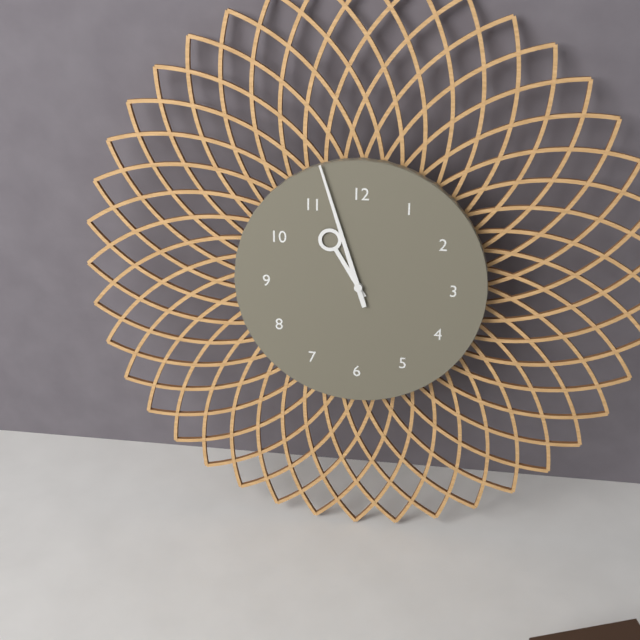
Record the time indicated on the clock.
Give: 10:57
